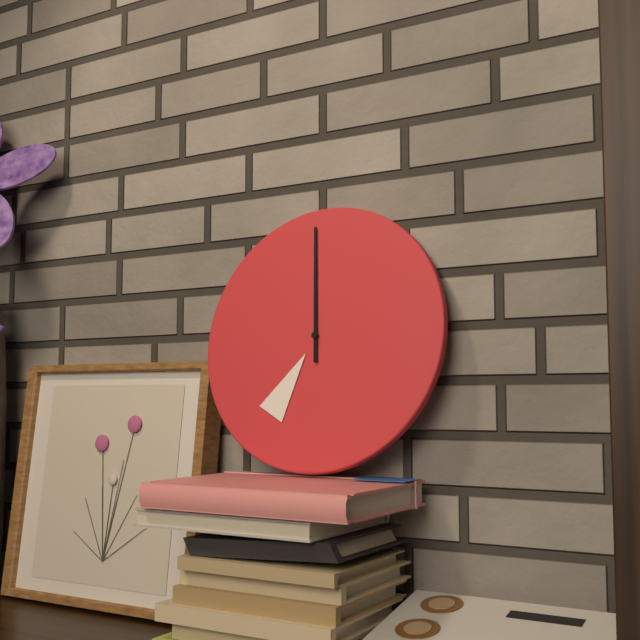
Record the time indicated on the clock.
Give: 6:59
